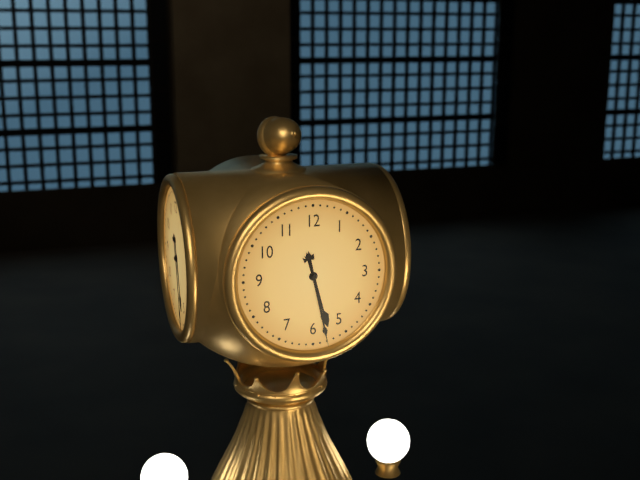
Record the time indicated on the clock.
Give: 5:28
